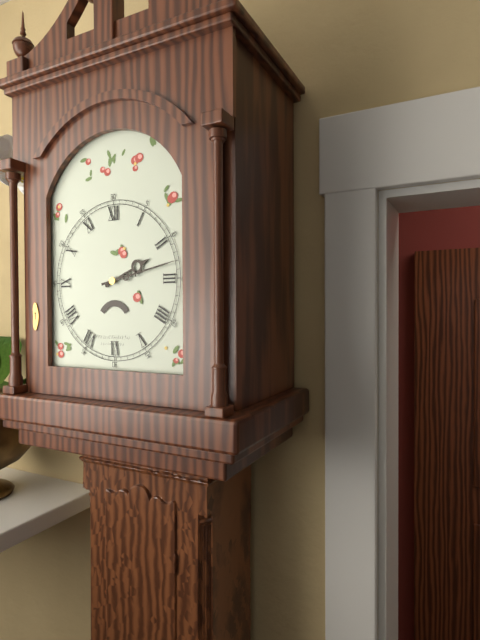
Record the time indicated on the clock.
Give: 2:13
